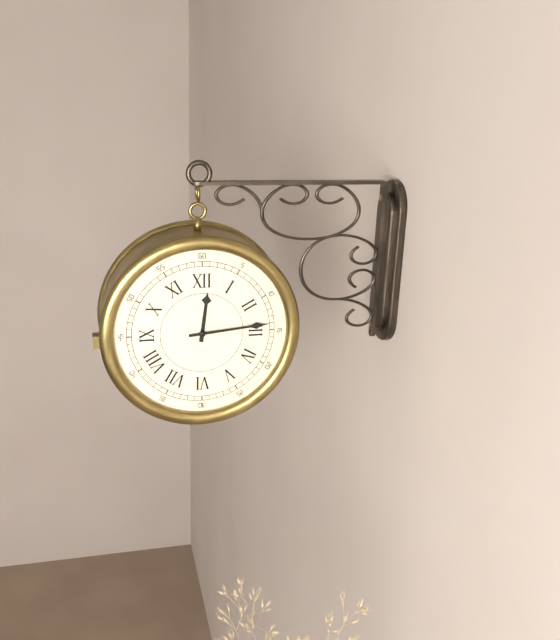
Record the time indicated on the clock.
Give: 12:14
